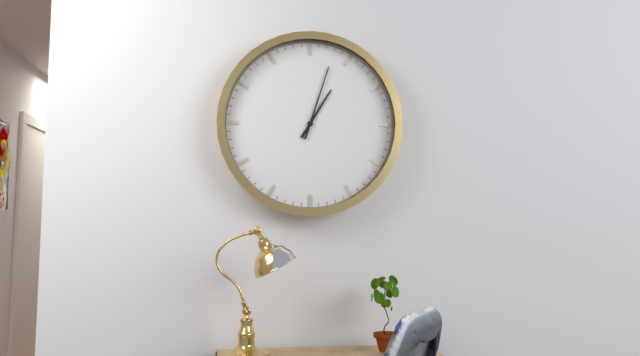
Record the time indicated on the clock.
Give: 1:03
